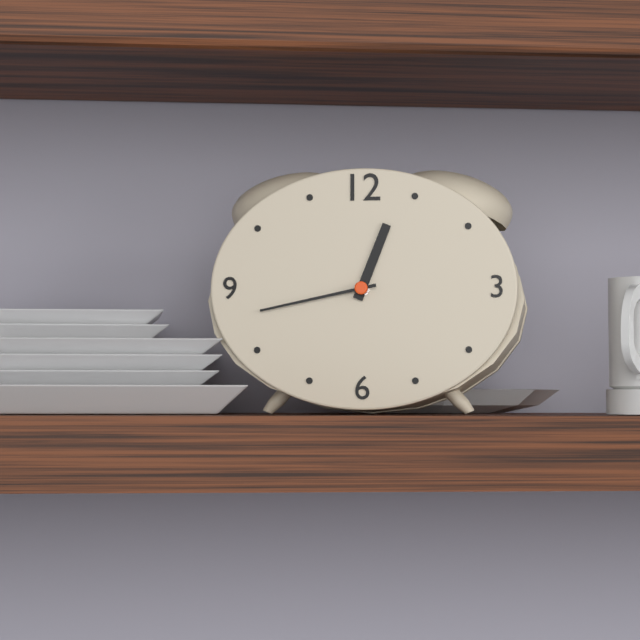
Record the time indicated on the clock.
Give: 12:43
